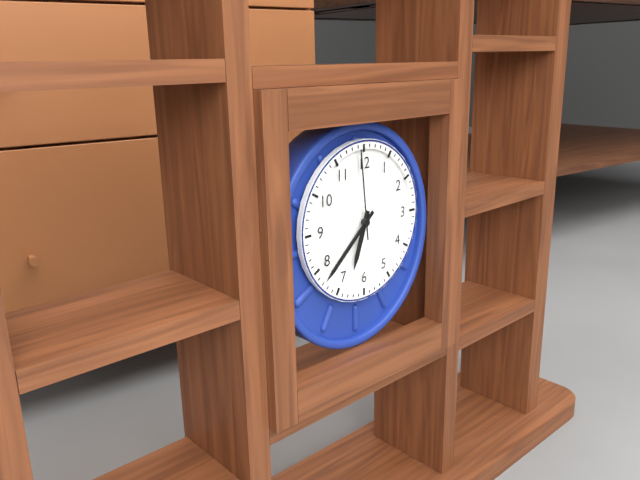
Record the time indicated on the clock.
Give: 6:38:59
